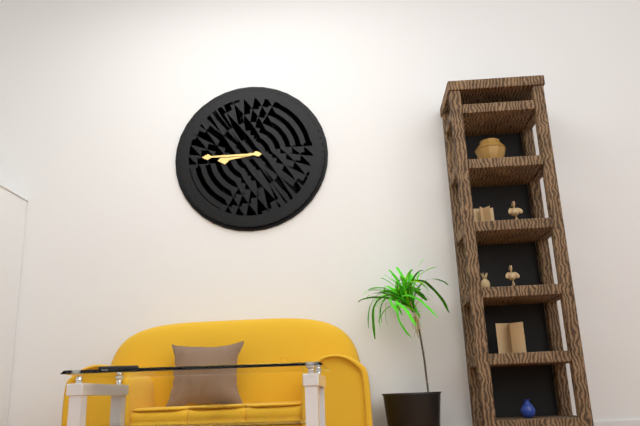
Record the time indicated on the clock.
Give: 8:45
